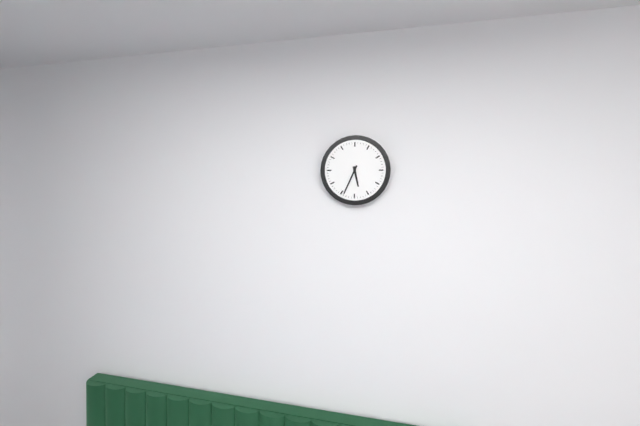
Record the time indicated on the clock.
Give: 5:34
